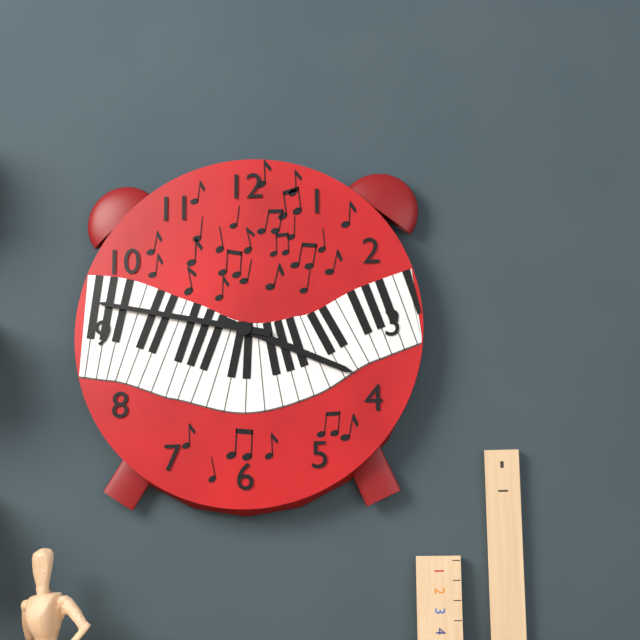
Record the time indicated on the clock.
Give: 3:47
